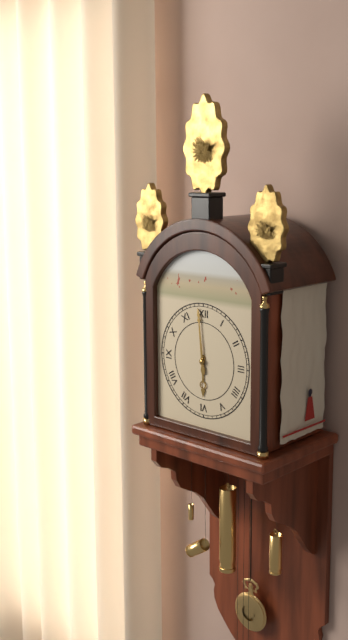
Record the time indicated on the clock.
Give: 5:59
